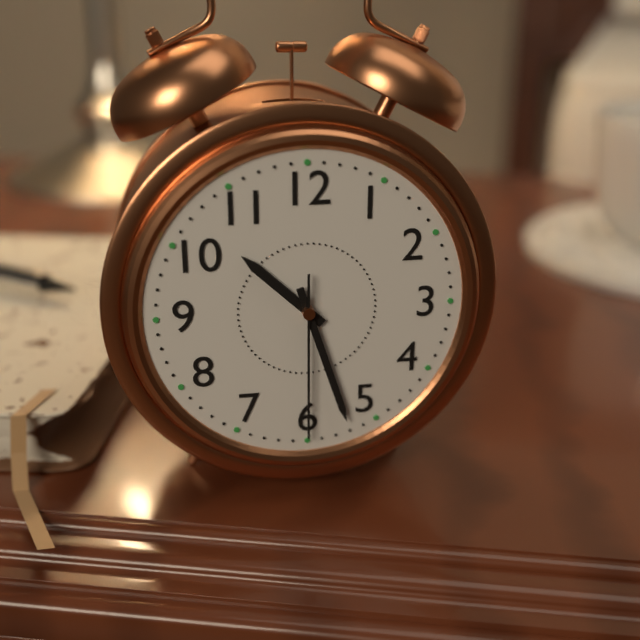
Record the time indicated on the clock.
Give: 10:27:30
